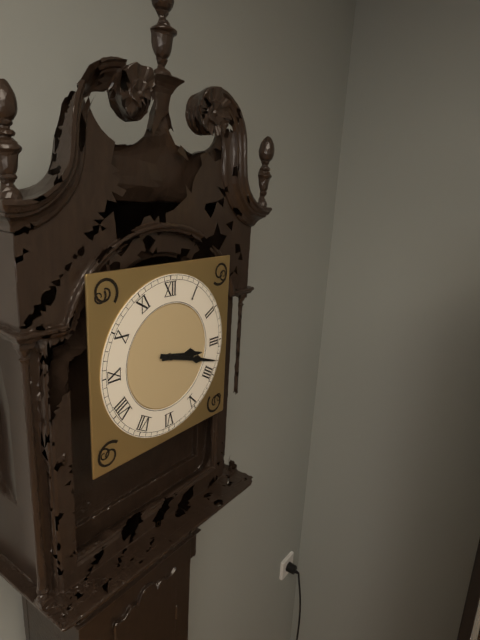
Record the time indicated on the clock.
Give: 3:18
